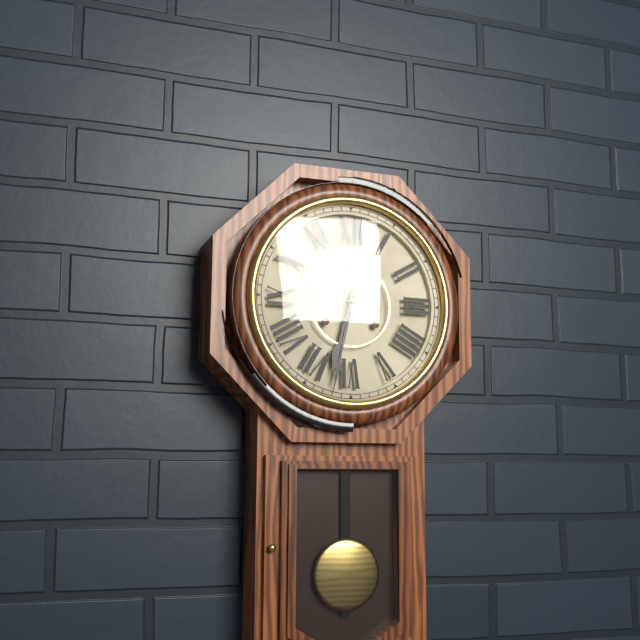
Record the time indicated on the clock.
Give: 6:32
